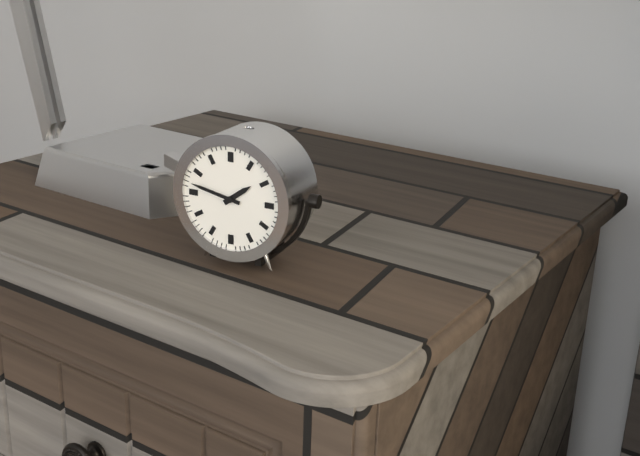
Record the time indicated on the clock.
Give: 1:47
